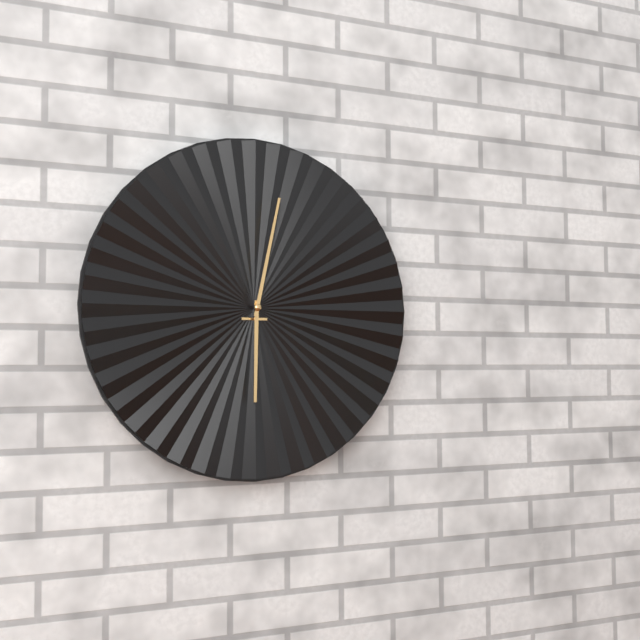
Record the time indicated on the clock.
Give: 6:02
